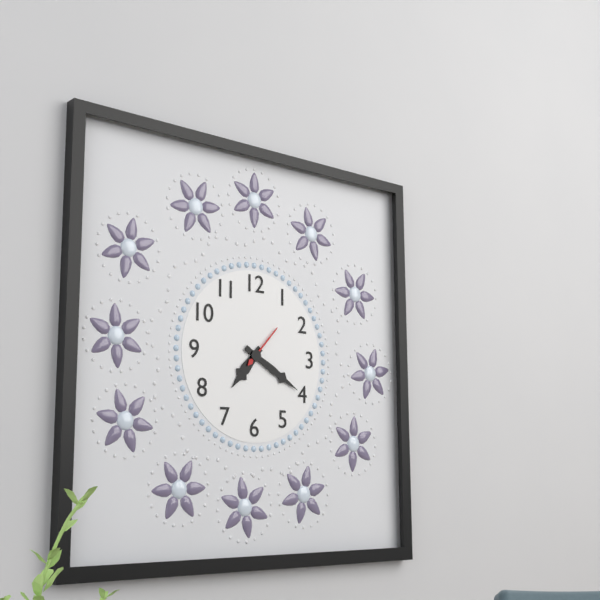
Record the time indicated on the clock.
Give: 7:20
